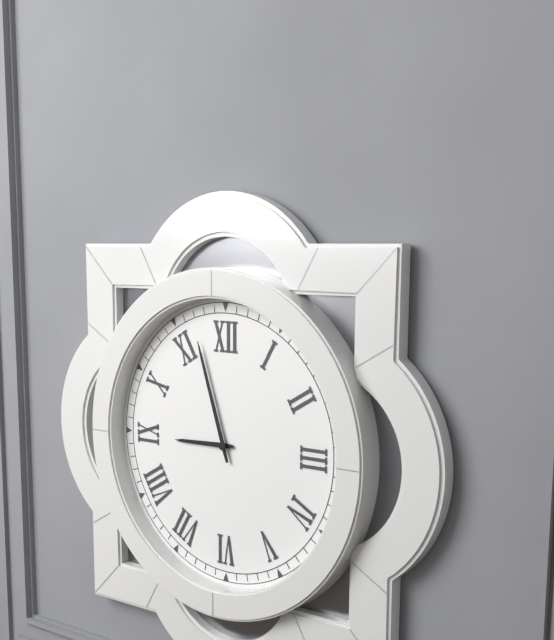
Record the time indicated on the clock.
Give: 8:57
